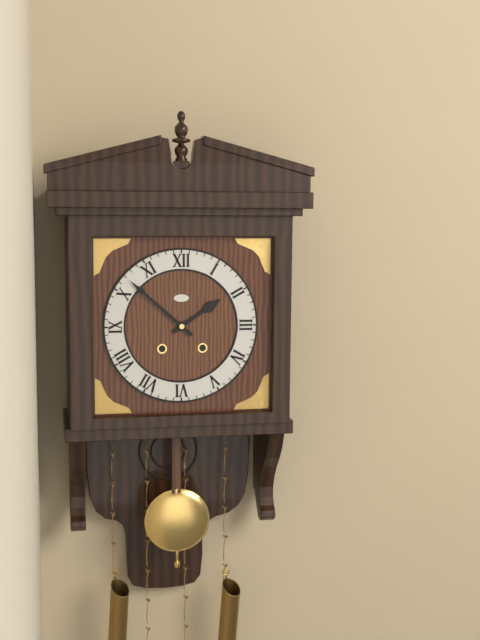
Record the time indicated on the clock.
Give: 1:52
